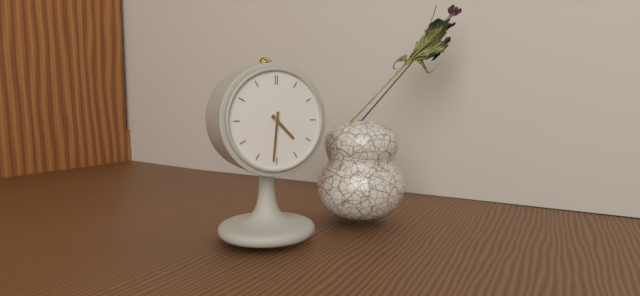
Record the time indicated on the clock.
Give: 4:31
